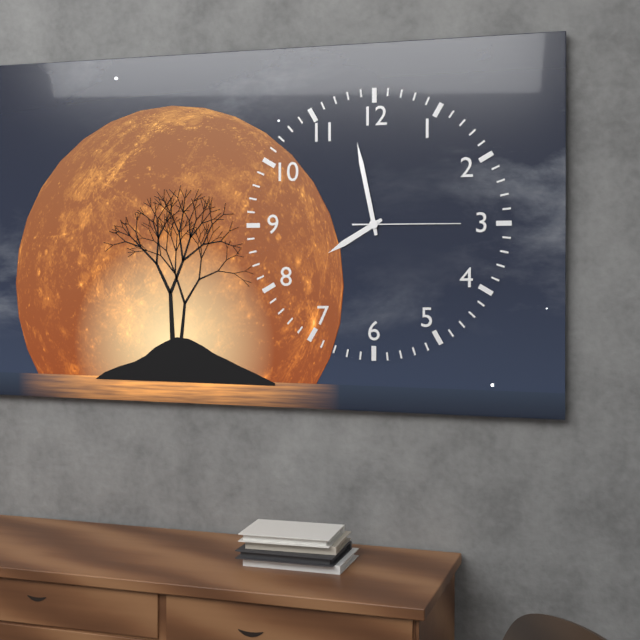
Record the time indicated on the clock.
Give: 7:58:15
